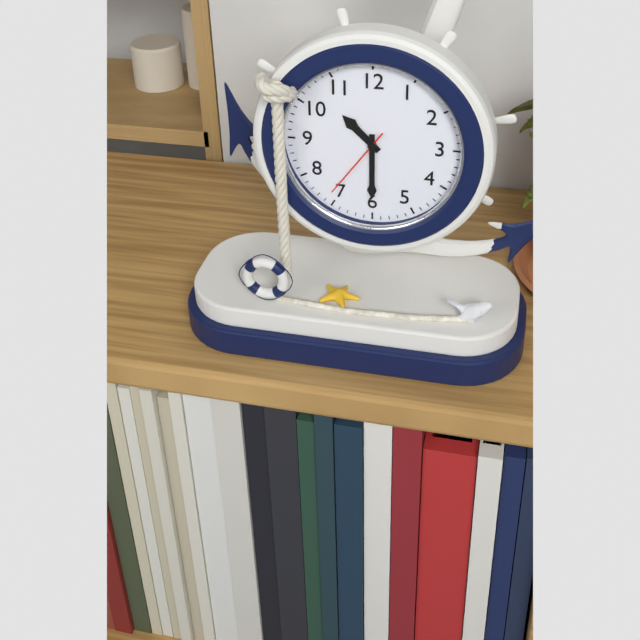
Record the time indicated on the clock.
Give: 10:30:36
